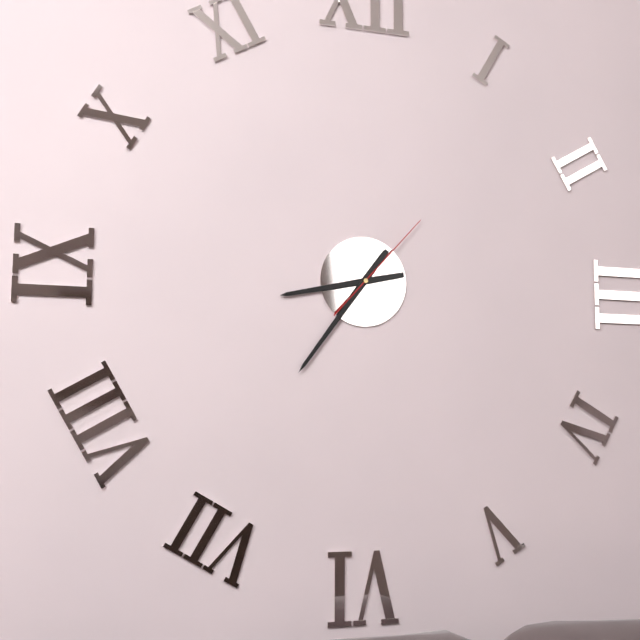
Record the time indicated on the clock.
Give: 8:36:07
